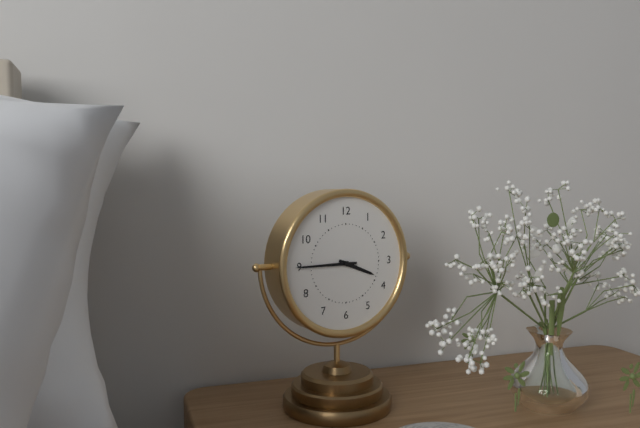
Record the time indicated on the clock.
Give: 3:45
